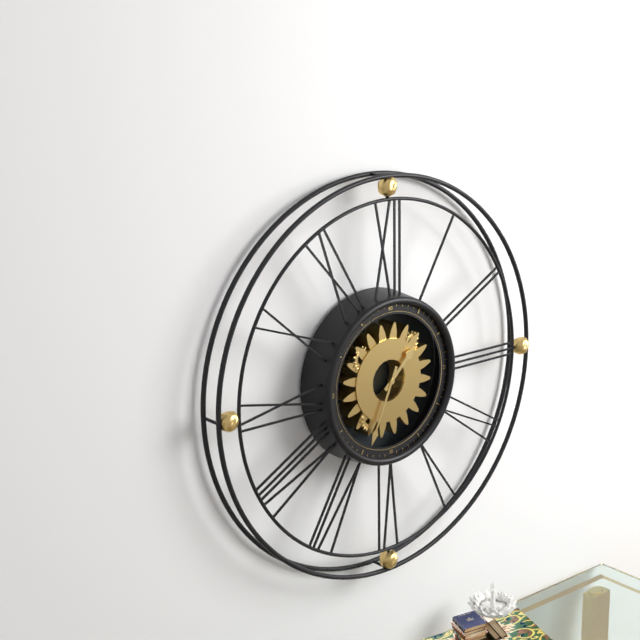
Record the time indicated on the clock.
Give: 1:34
